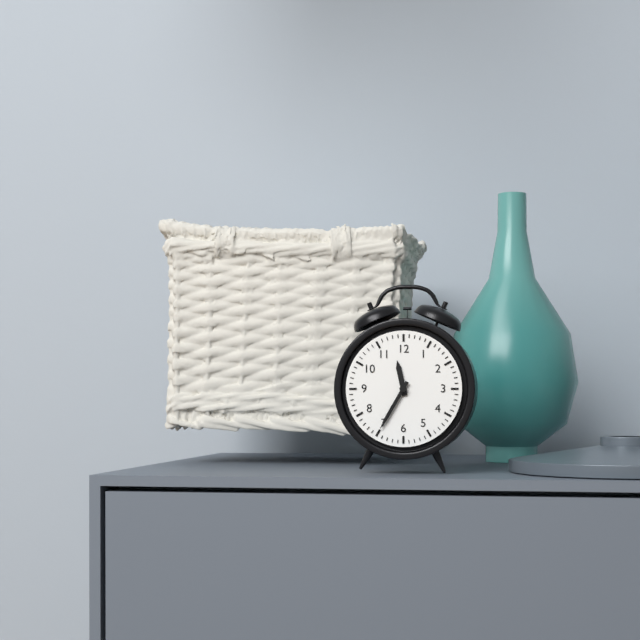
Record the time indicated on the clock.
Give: 11:35
